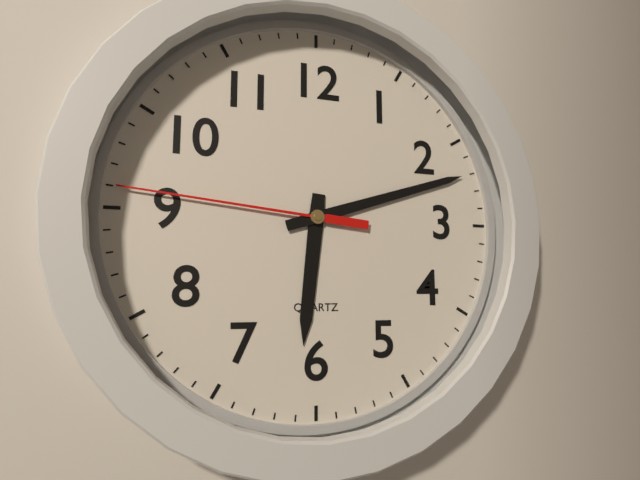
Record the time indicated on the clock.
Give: 6:12:46
